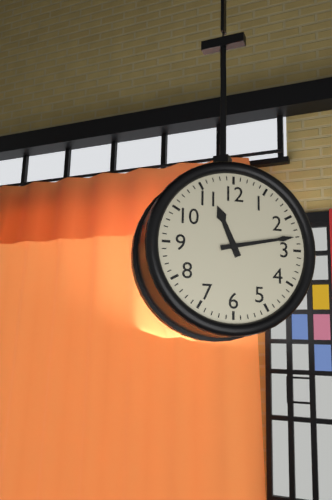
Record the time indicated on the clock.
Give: 11:13
